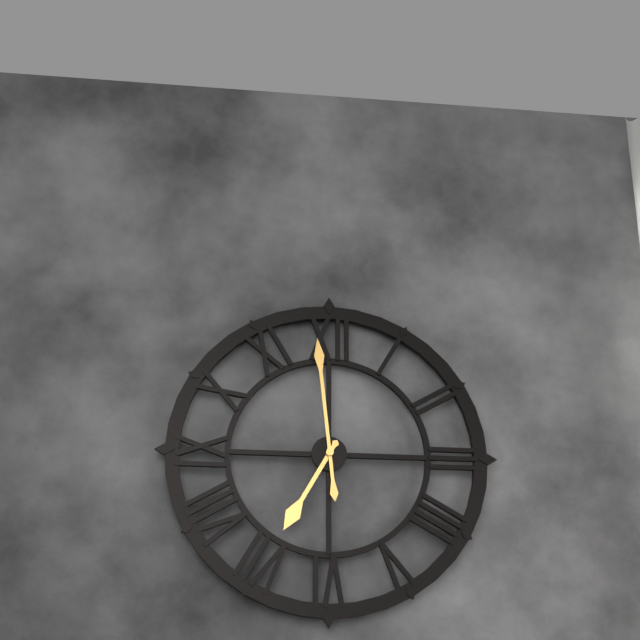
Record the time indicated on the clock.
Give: 6:59
